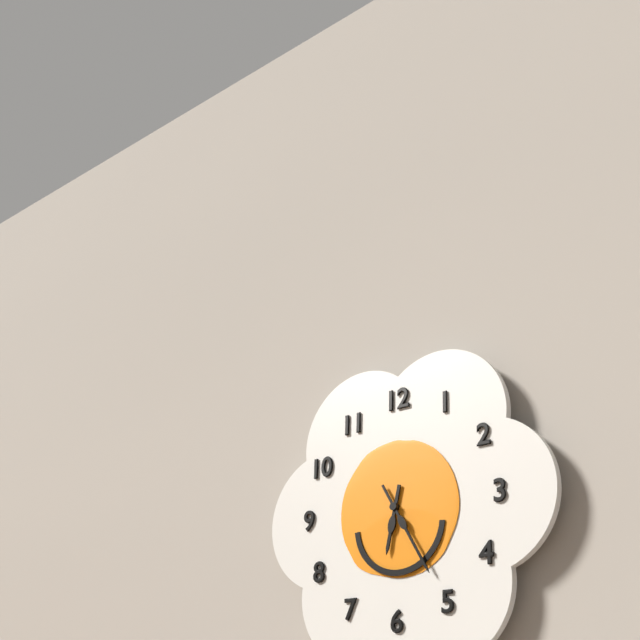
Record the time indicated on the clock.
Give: 6:25
